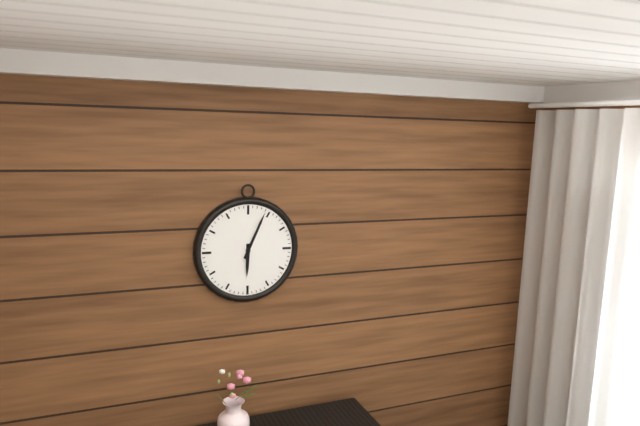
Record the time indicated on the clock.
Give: 6:04
